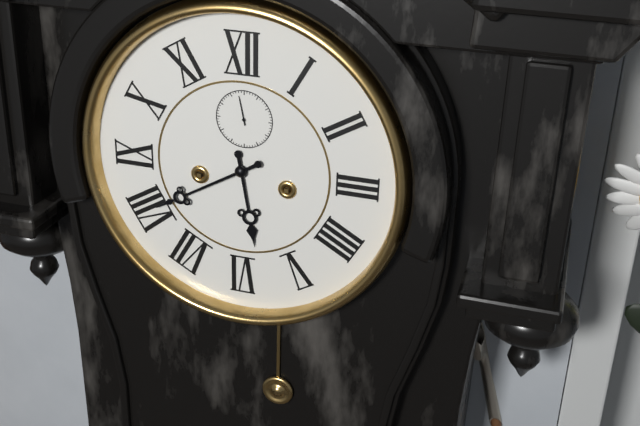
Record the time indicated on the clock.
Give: 5:40
